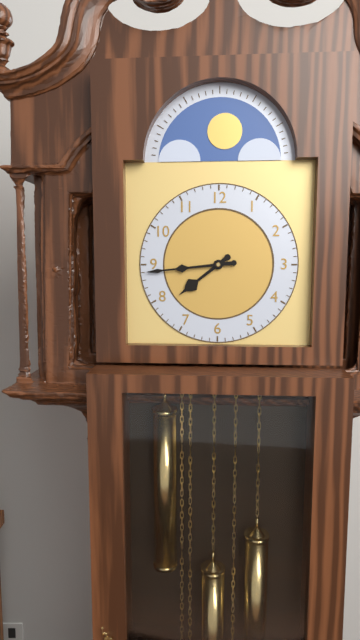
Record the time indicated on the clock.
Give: 7:44
